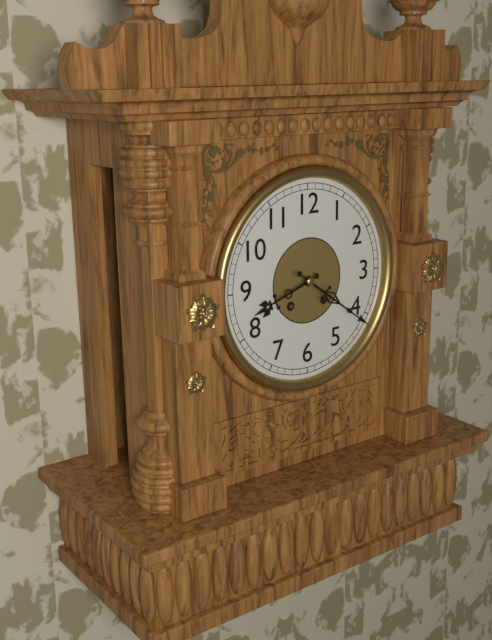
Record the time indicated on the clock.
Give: 8:21
